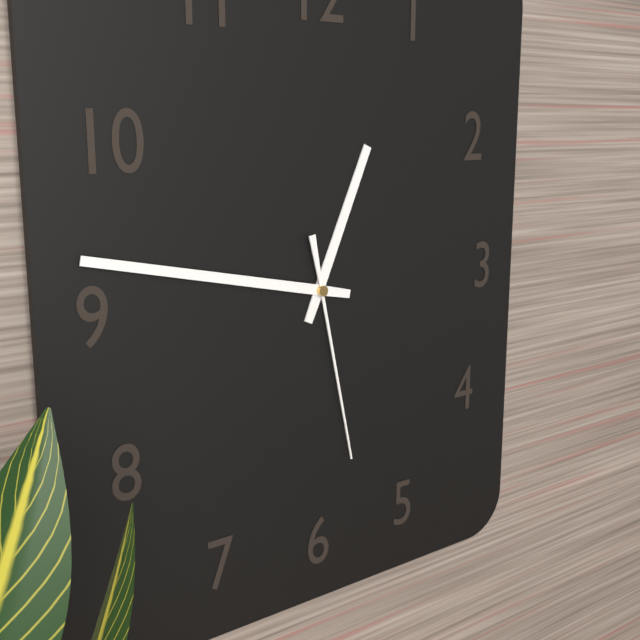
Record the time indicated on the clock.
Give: 12:47:28
